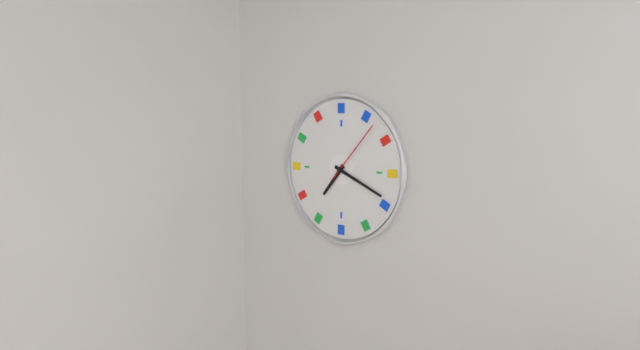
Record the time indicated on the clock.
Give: 7:19:07
